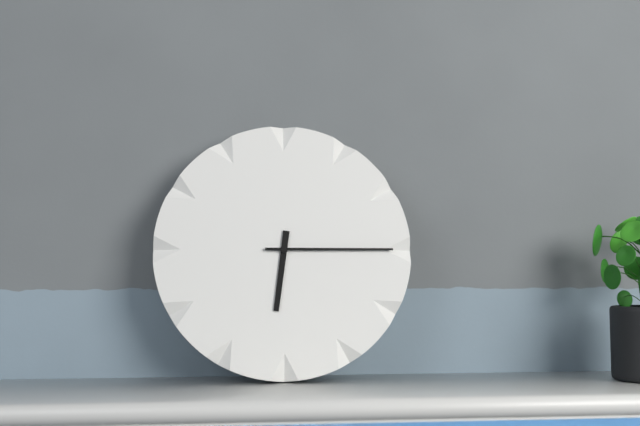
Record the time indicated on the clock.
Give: 6:15
